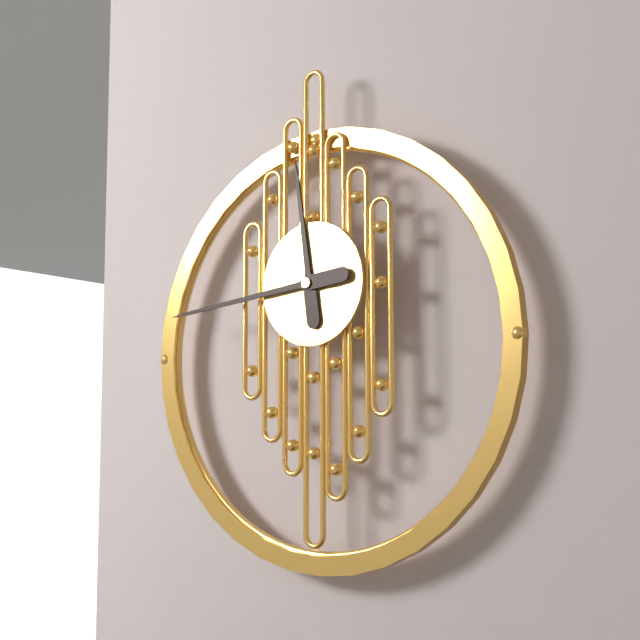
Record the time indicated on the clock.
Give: 11:44
